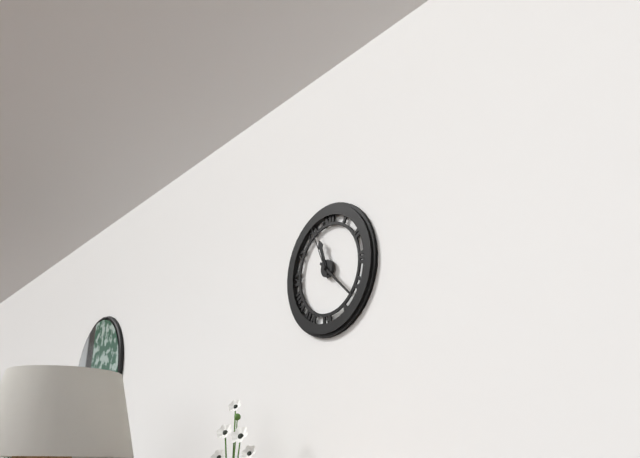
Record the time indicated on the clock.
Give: 11:22:56
